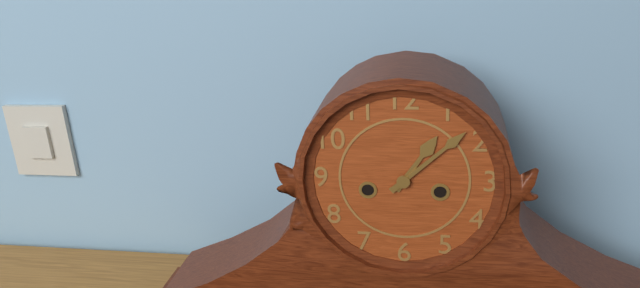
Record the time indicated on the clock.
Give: 1:08
